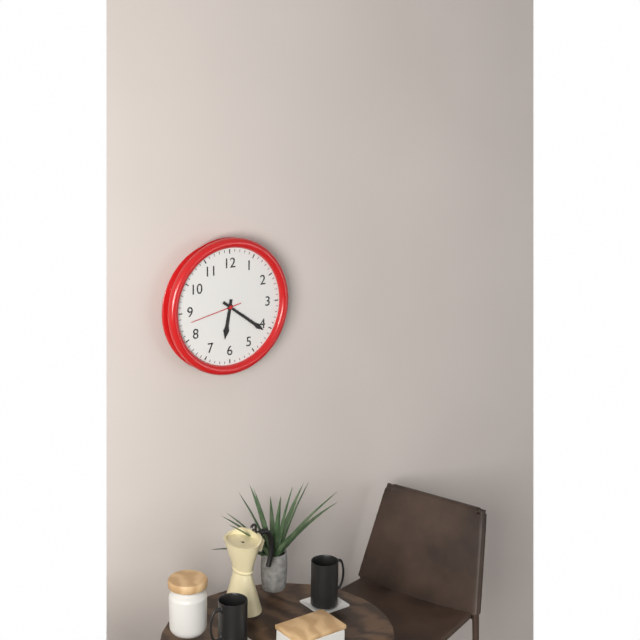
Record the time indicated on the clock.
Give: 6:21:43
